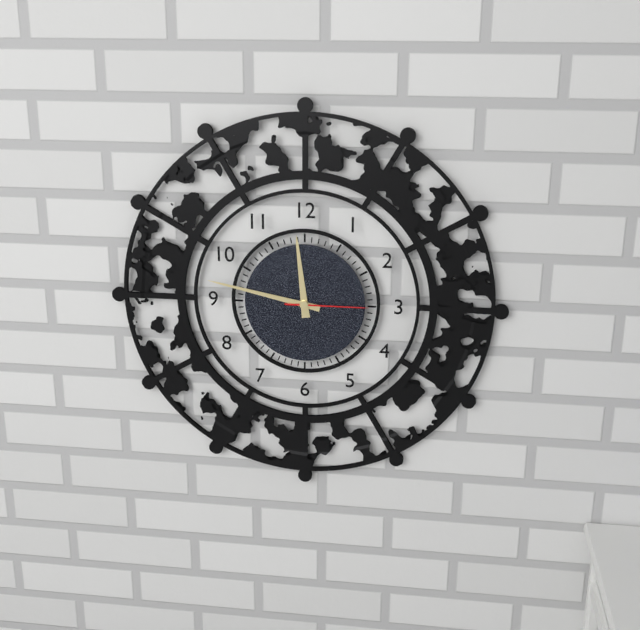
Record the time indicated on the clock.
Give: 11:47:15
